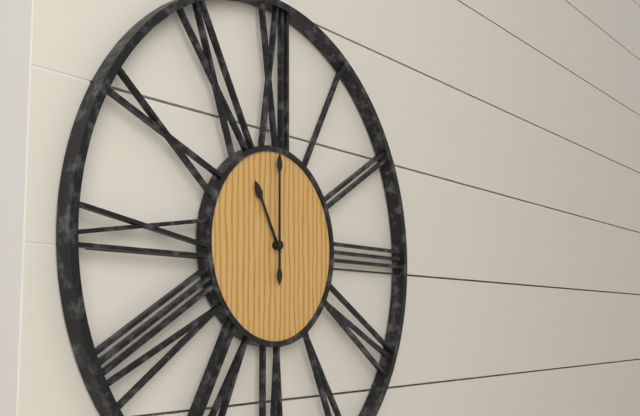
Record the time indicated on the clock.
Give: 11:00
